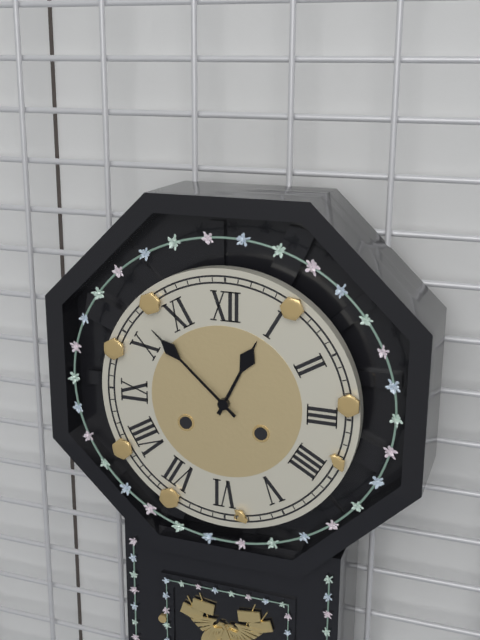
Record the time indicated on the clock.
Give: 12:52
